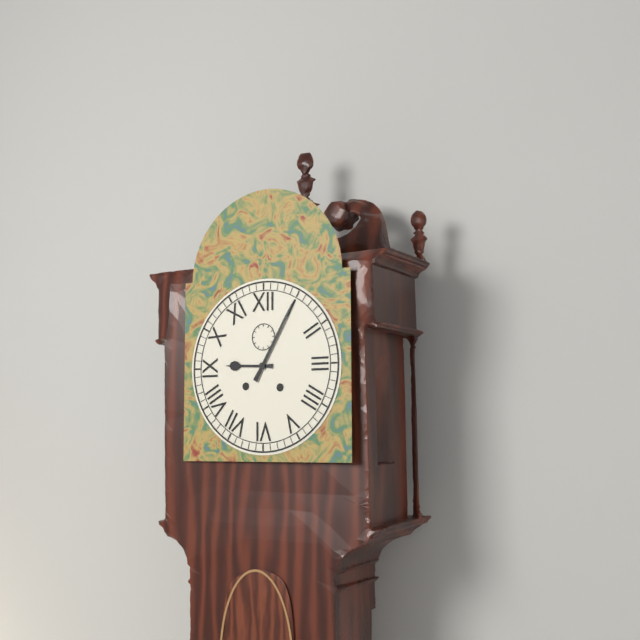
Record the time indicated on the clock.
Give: 9:05
